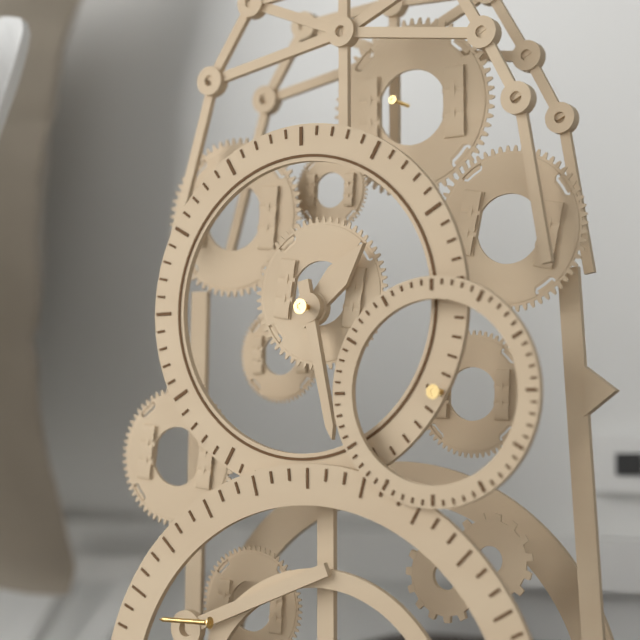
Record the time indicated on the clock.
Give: 1:28
